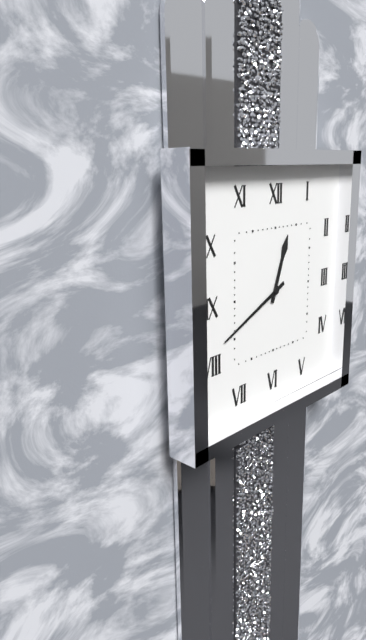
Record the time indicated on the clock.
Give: 12:41
